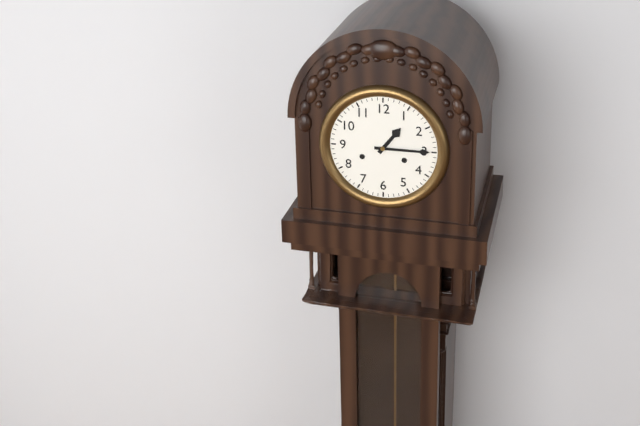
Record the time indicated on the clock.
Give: 1:15
